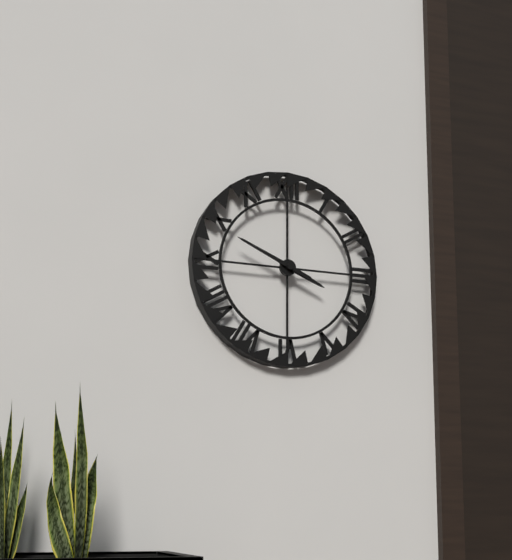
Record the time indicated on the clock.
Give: 3:49
